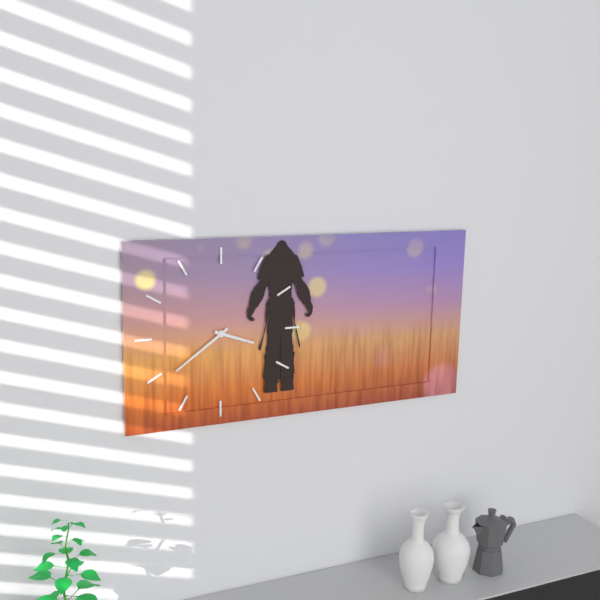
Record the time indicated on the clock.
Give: 3:39
